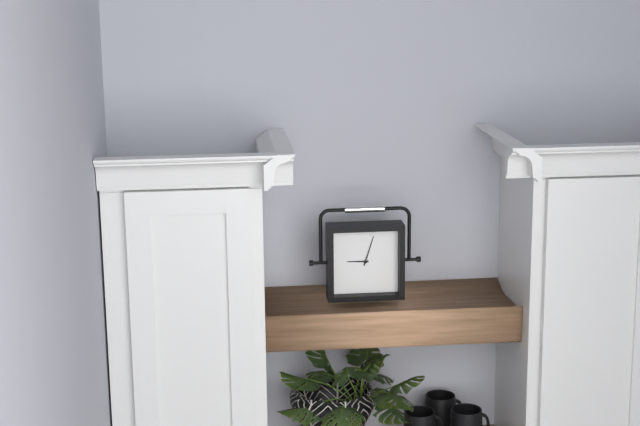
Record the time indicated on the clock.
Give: 9:03
